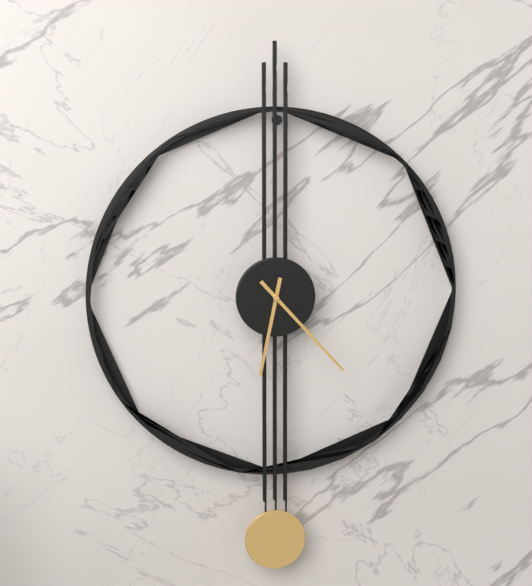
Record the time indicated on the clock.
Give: 6:23
